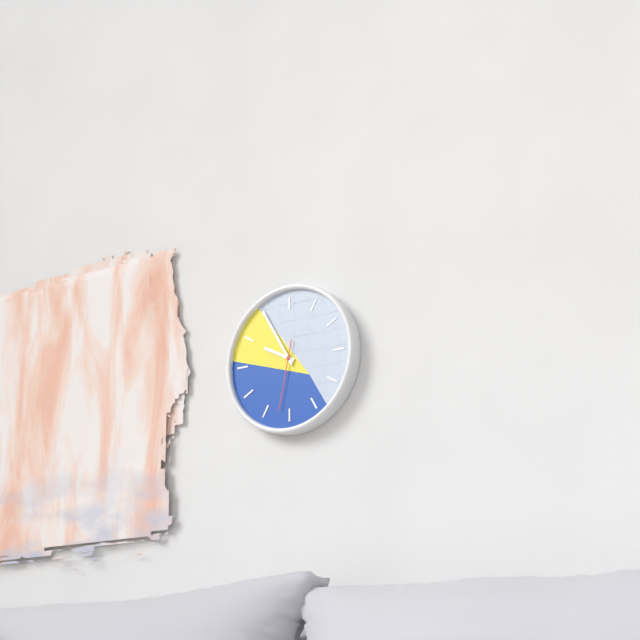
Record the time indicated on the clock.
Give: 9:55:32
